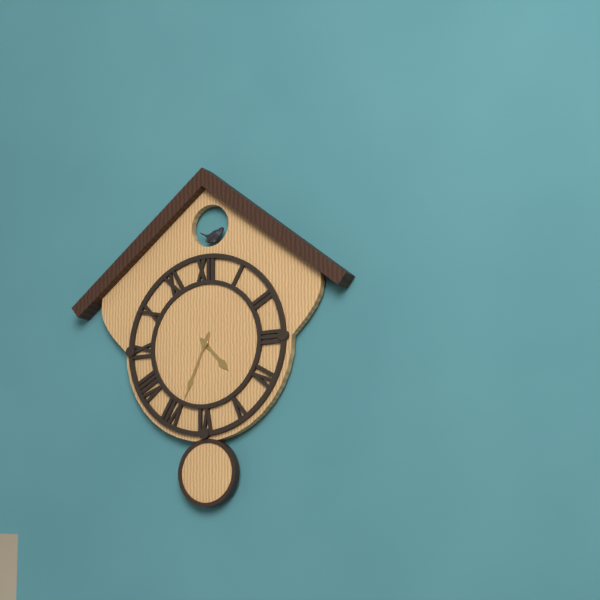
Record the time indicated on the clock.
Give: 4:34
